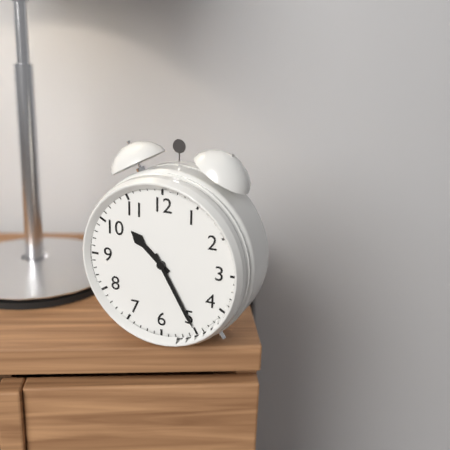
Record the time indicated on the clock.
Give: 10:25
